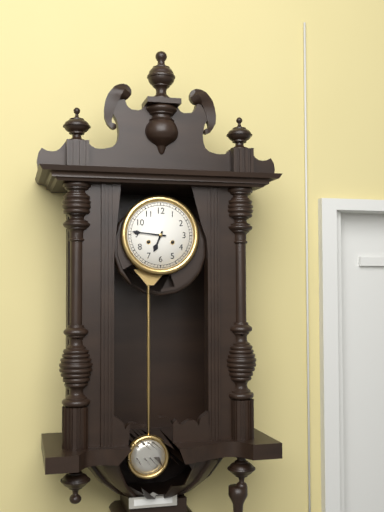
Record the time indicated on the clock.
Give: 6:46
